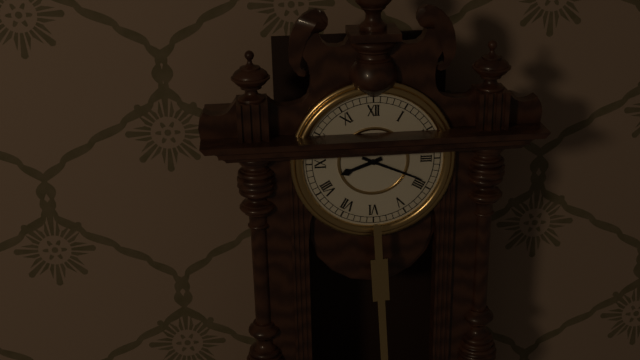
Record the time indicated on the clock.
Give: 8:19
